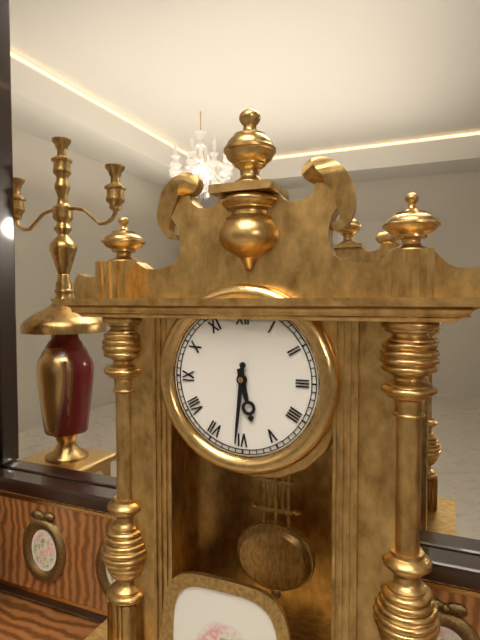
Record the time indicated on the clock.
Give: 5:31
